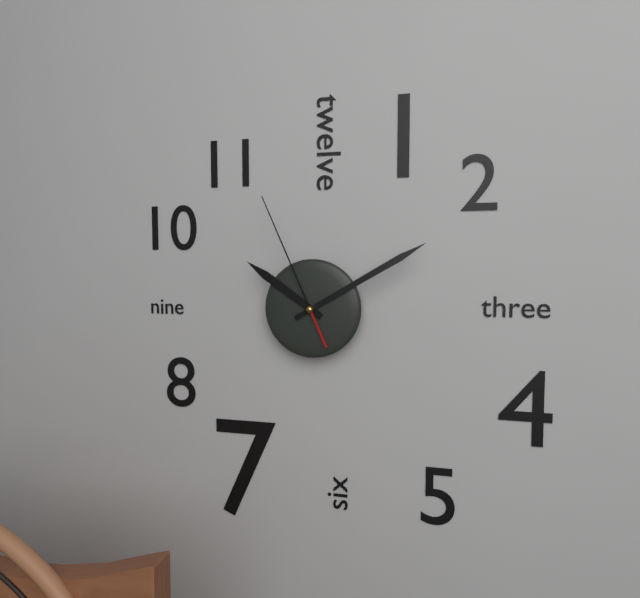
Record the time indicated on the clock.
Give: 10:10:56
